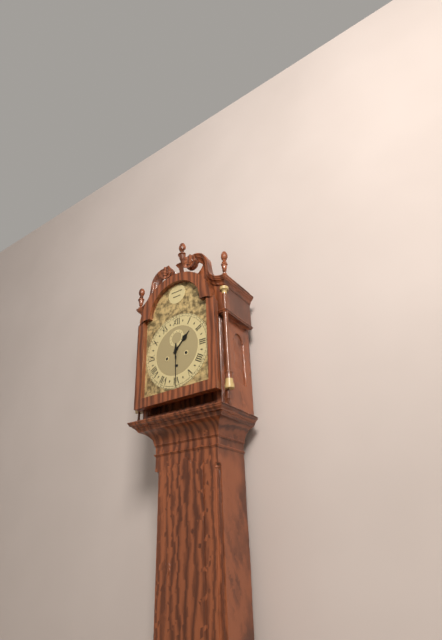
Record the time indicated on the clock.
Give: 1:30
